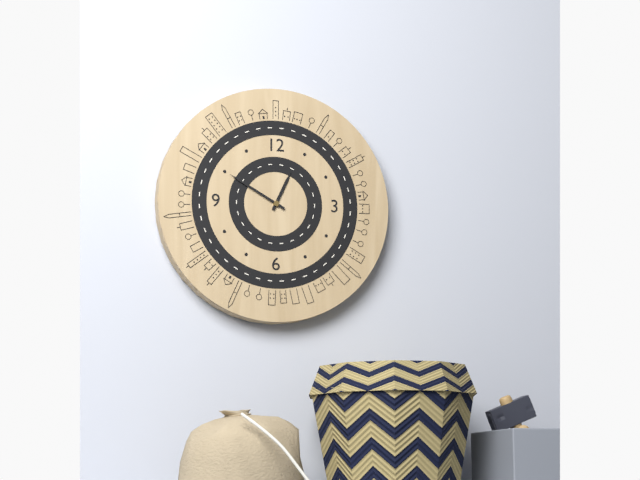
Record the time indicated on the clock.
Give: 12:50
